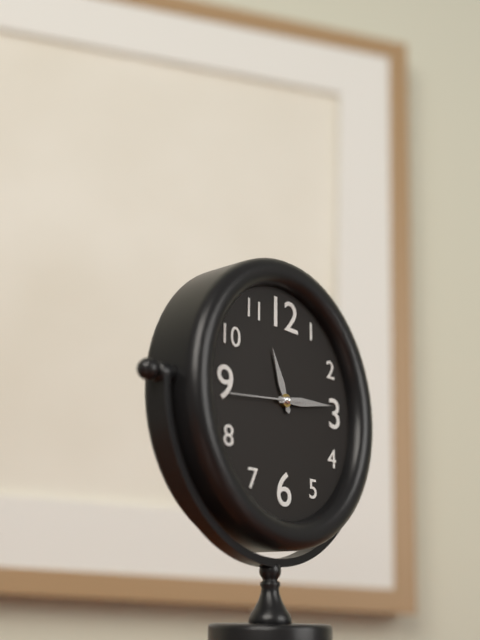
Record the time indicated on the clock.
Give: 11:14:44
